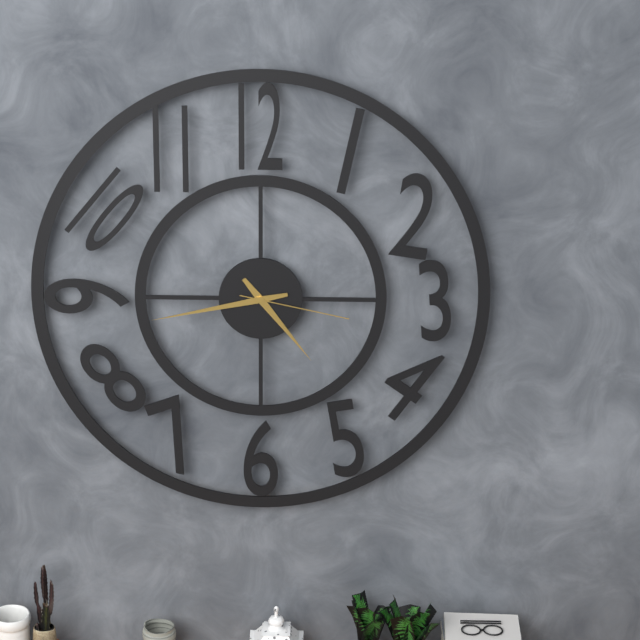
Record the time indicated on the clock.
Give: 4:43:17
